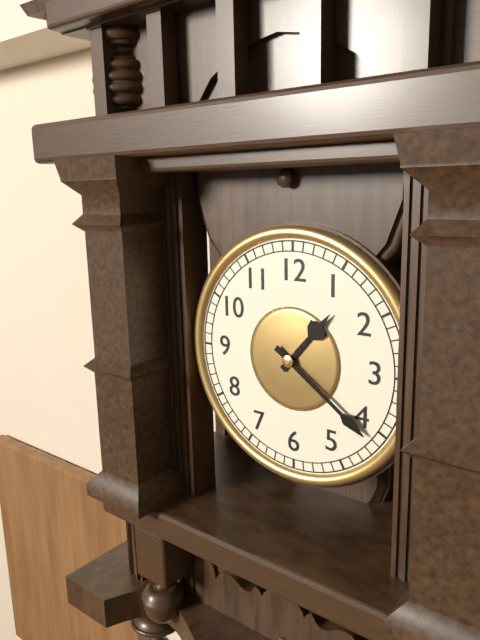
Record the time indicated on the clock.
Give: 1:21
